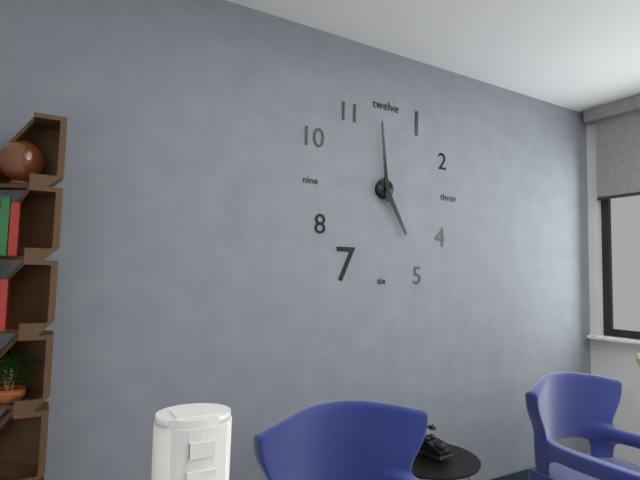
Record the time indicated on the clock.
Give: 4:59
